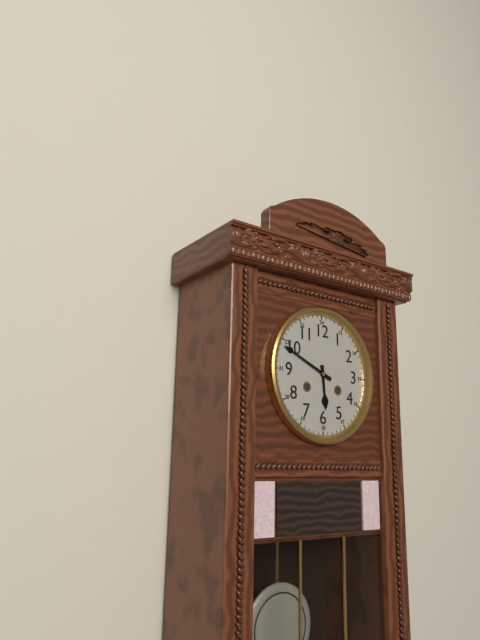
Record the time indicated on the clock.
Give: 5:49
